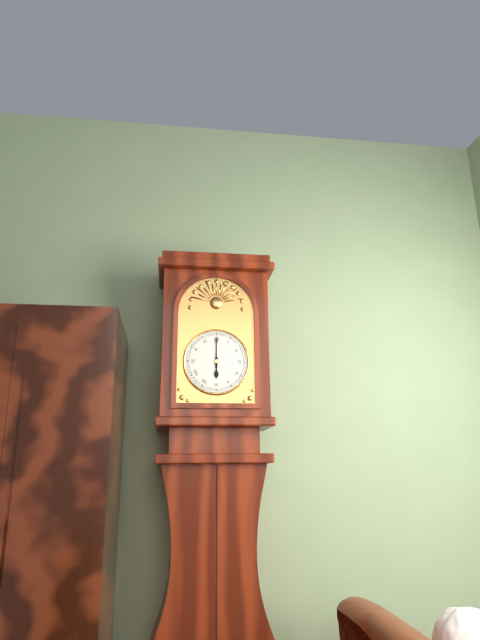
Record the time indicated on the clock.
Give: 6:00
